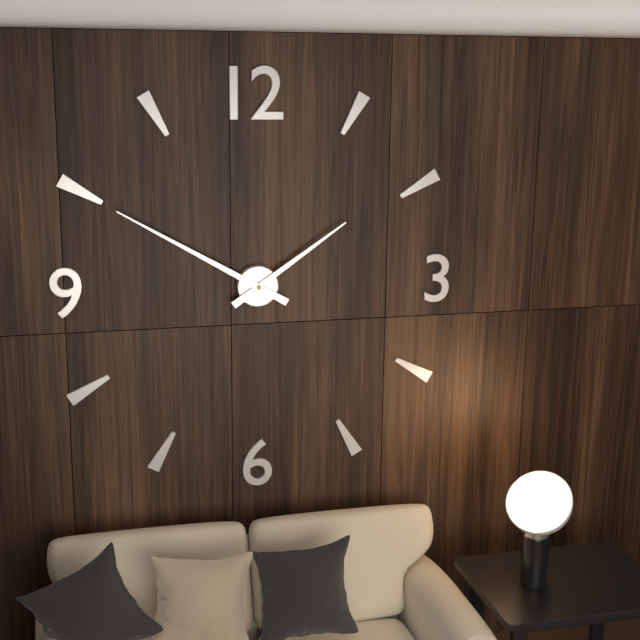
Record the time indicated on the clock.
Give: 1:50
